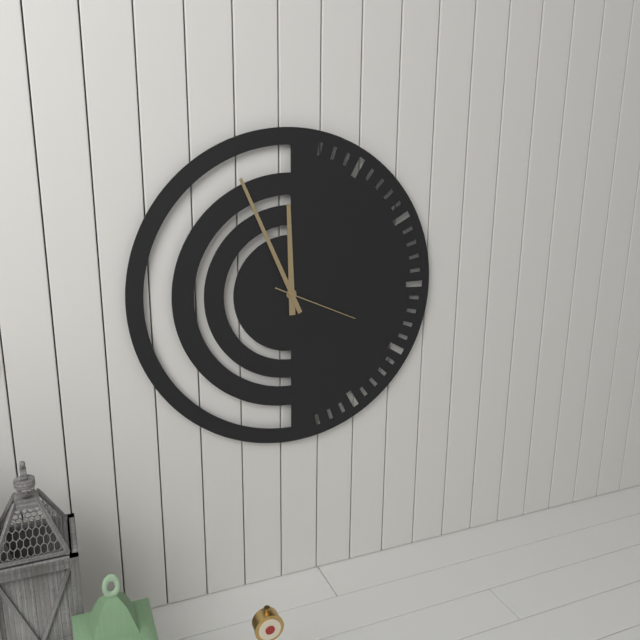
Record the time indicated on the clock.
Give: 11:56:19
